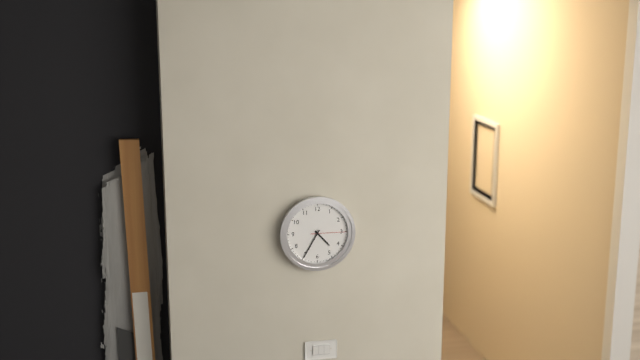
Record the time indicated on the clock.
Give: 4:35
